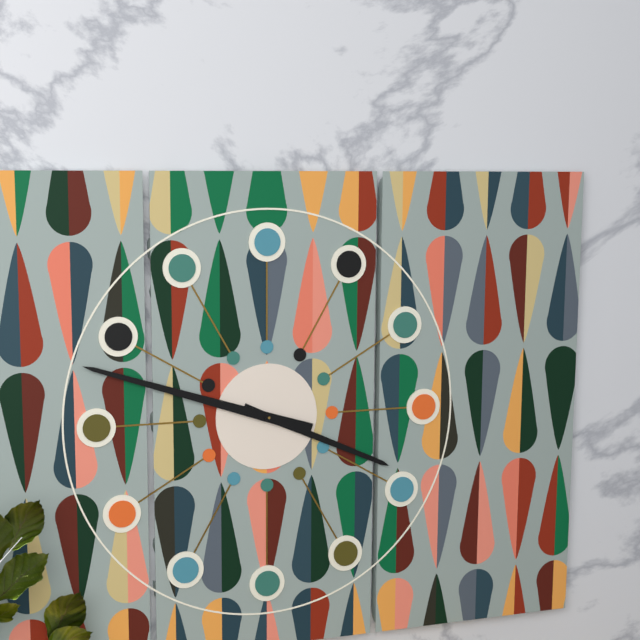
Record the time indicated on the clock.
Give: 3:48
